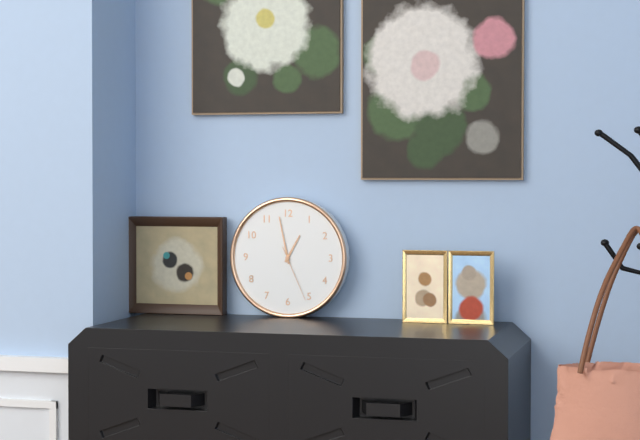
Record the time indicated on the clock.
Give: 12:58:26
